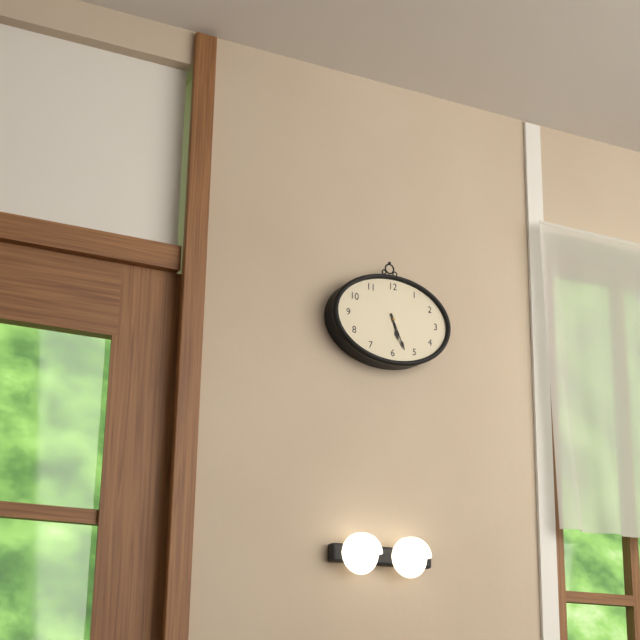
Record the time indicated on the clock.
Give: 5:26
